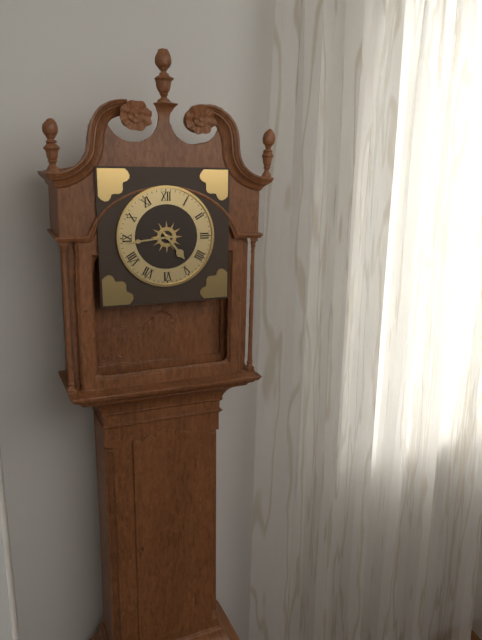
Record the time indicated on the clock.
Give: 4:44
